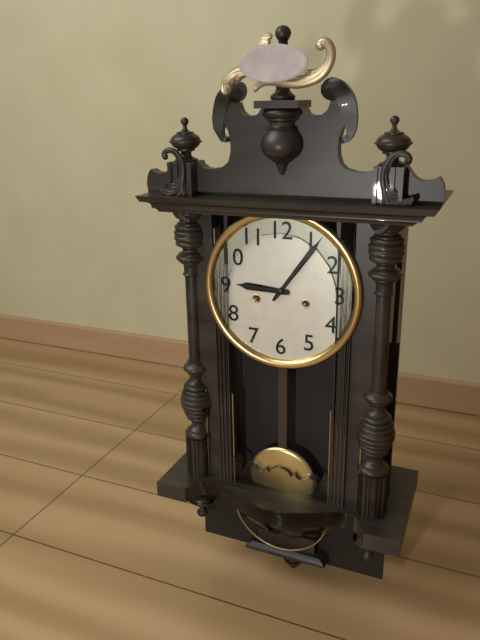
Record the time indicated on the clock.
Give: 9:06
